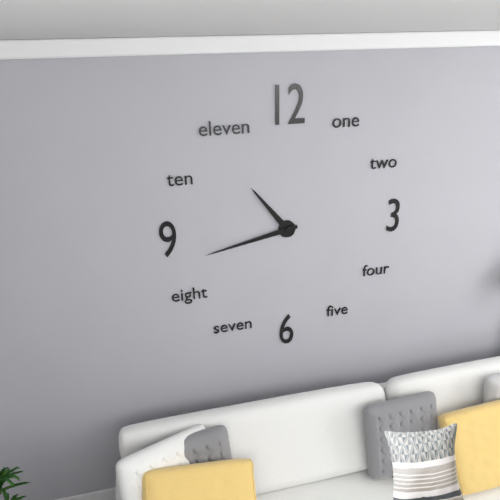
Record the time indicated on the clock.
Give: 10:43
